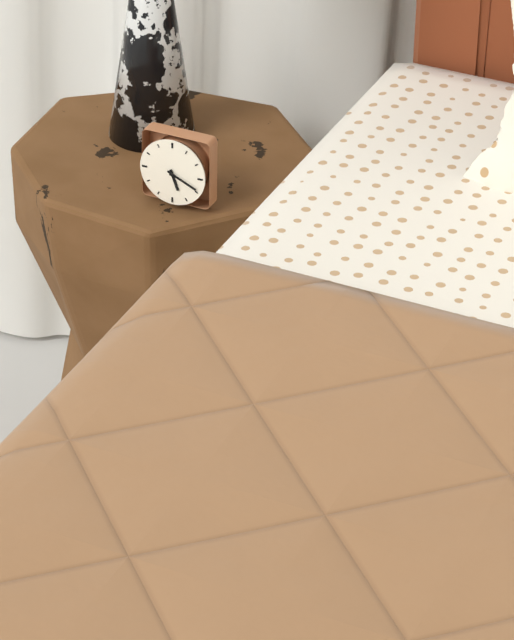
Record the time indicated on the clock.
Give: 5:19
